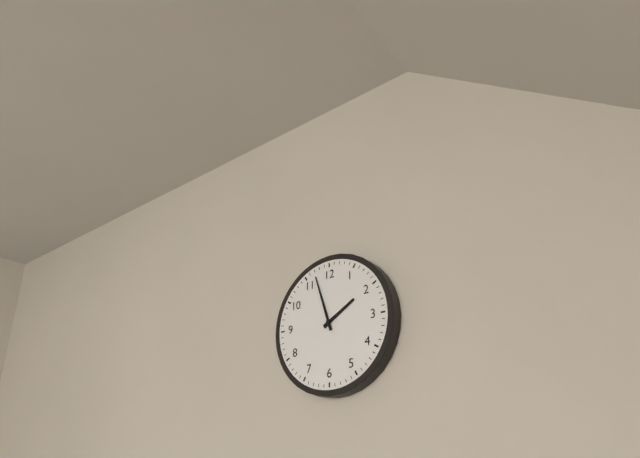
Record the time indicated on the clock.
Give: 1:57
